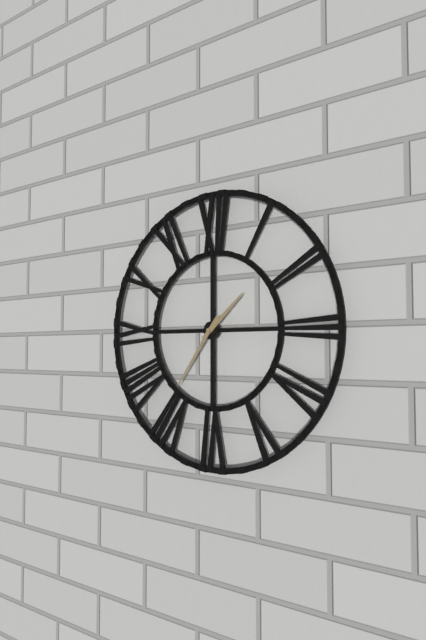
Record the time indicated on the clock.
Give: 1:36
